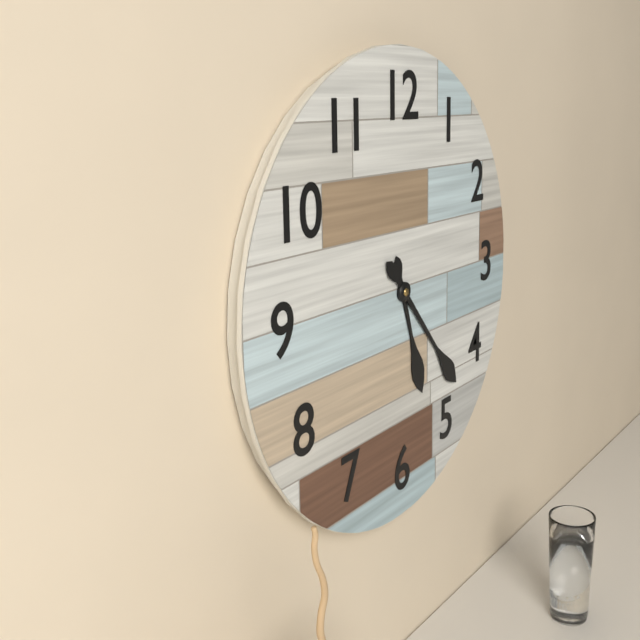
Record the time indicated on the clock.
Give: 5:23
